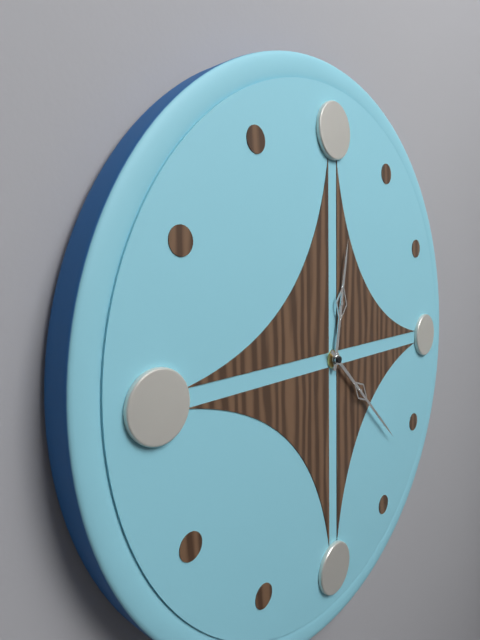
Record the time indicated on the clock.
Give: 12:22
